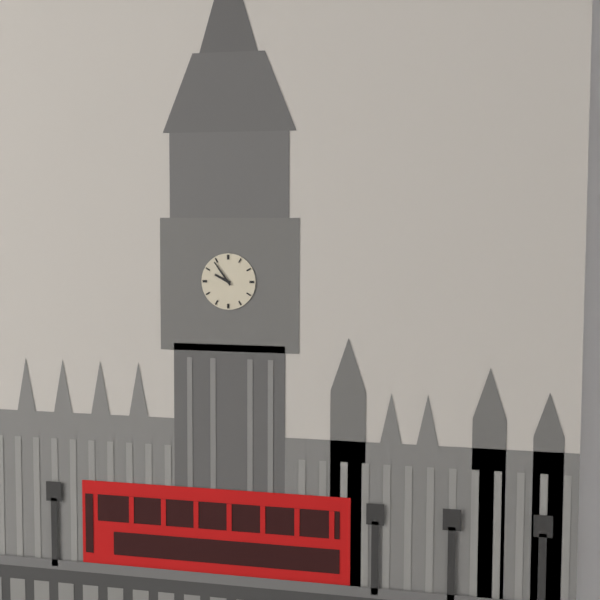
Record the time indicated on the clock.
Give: 9:54
